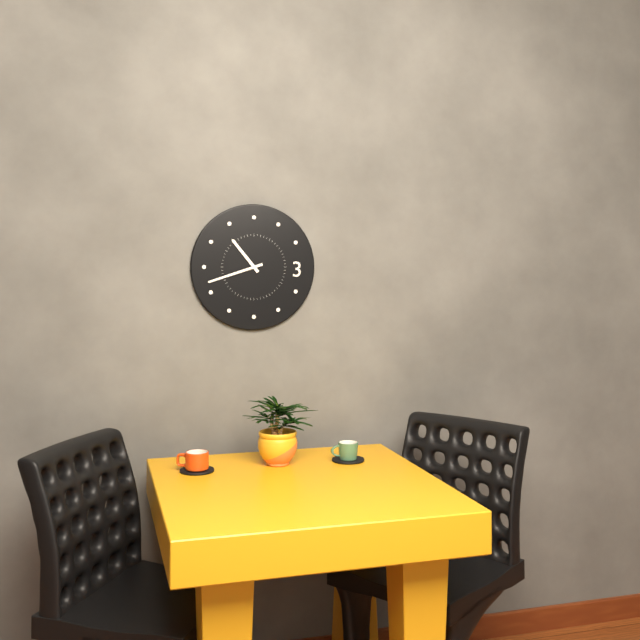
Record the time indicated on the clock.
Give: 10:42
